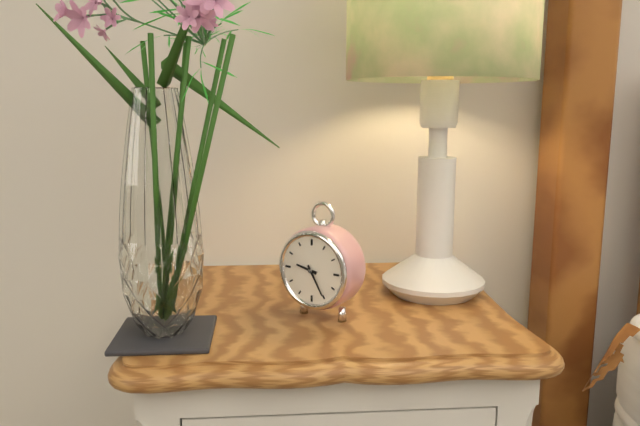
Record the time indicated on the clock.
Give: 9:25
